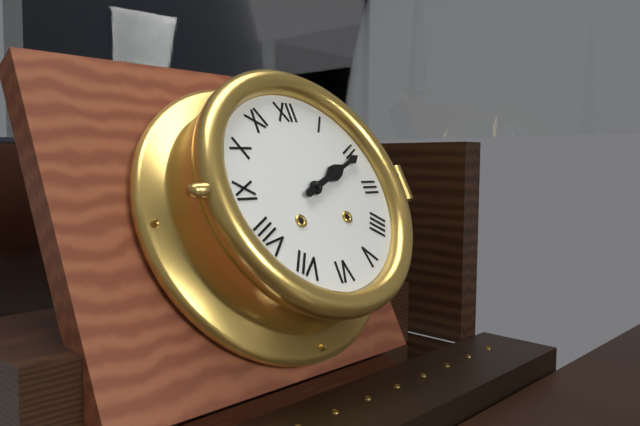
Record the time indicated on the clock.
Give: 2:11
